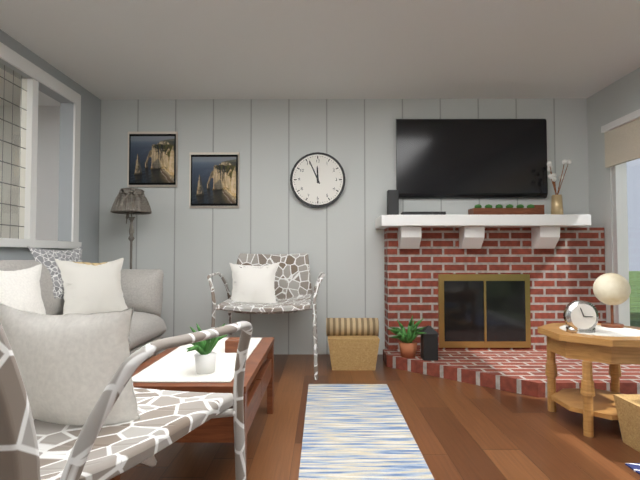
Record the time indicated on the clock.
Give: 11:56
